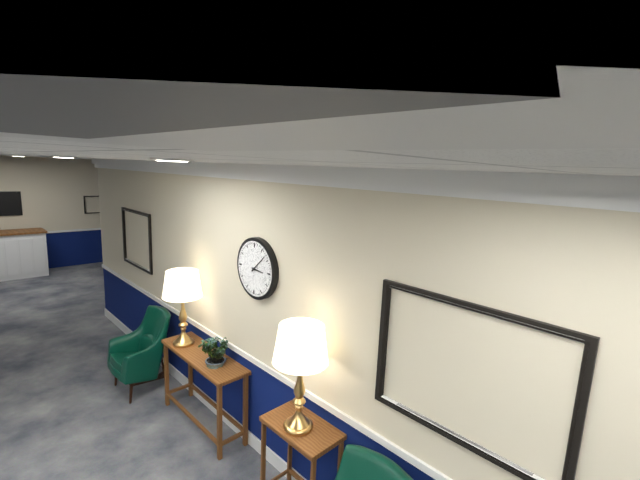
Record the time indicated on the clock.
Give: 3:08
